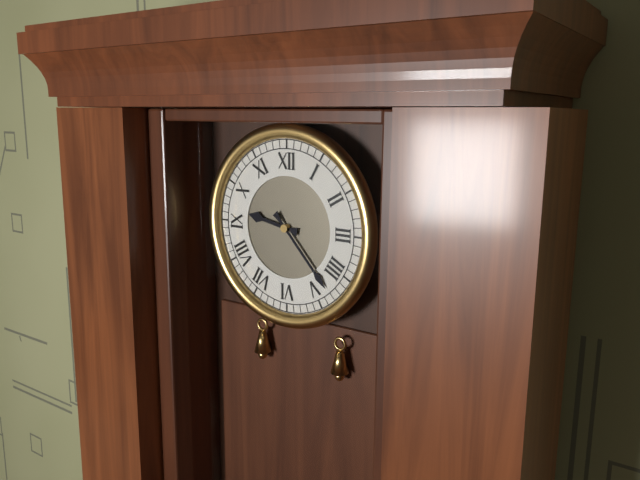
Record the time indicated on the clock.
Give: 9:23
